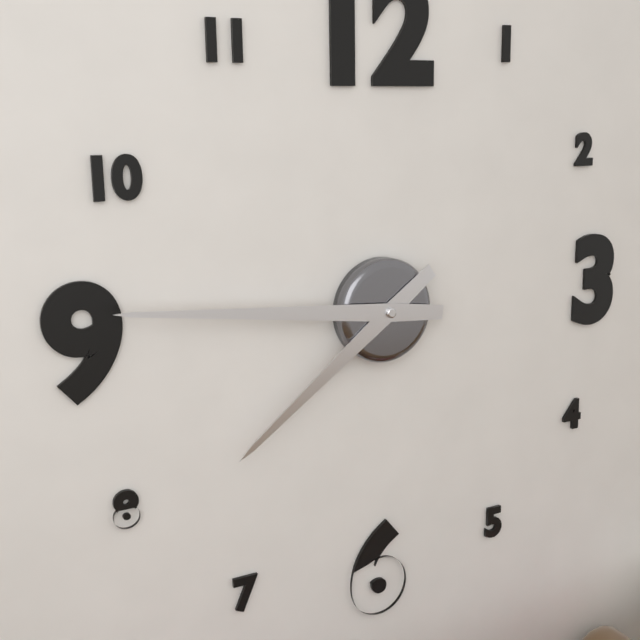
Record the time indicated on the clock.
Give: 7:46
